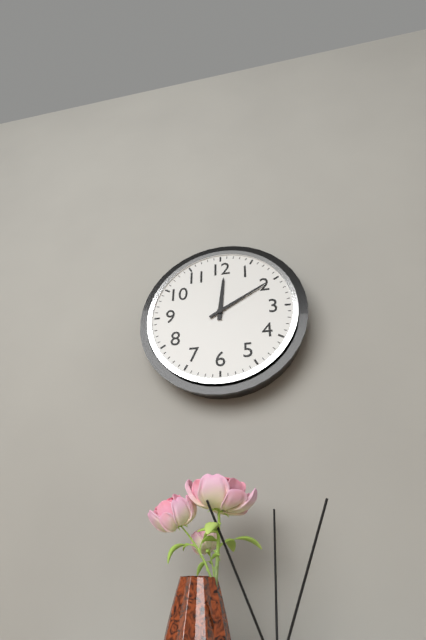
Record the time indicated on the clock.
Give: 12:10
